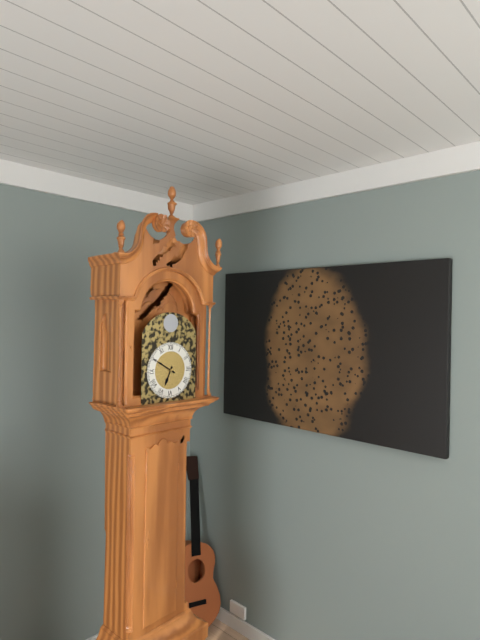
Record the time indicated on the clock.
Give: 6:50
